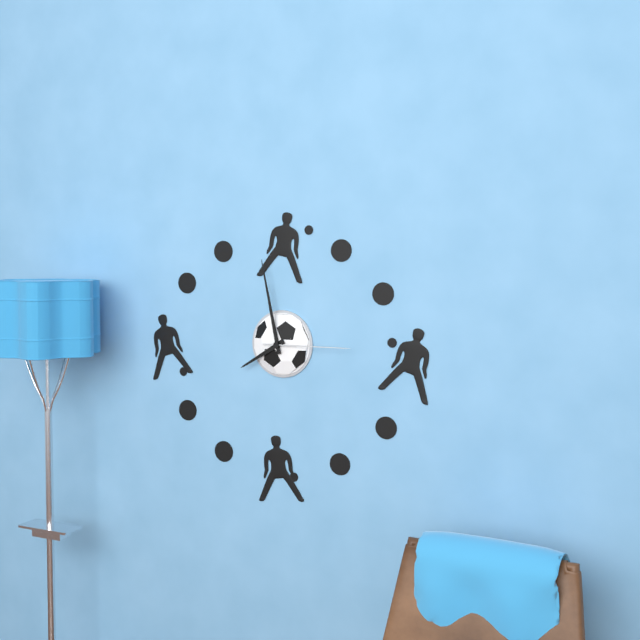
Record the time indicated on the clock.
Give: 7:58:15
